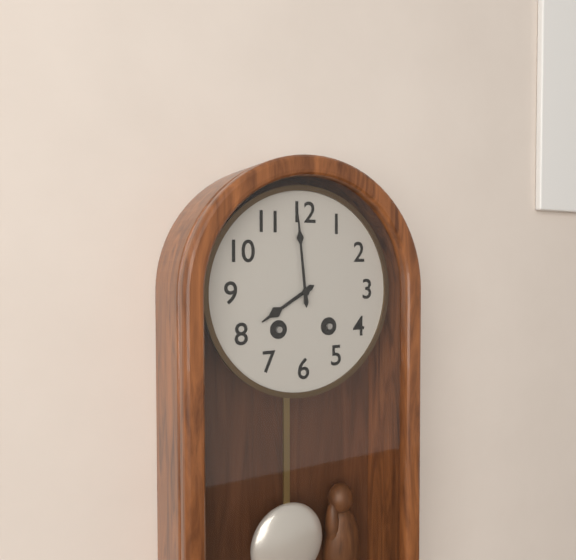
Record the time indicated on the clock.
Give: 7:59
